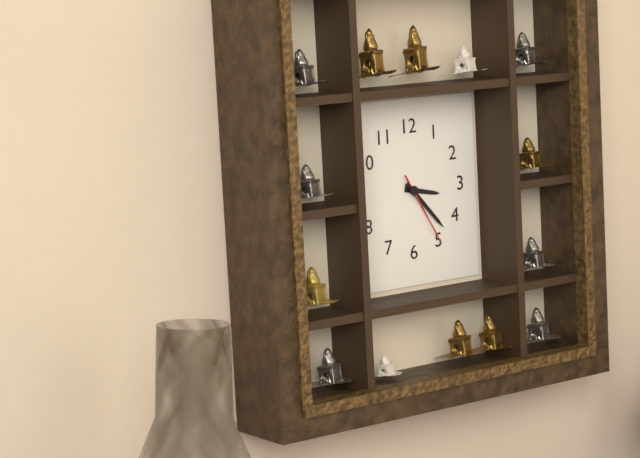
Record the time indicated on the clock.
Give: 3:23:25
